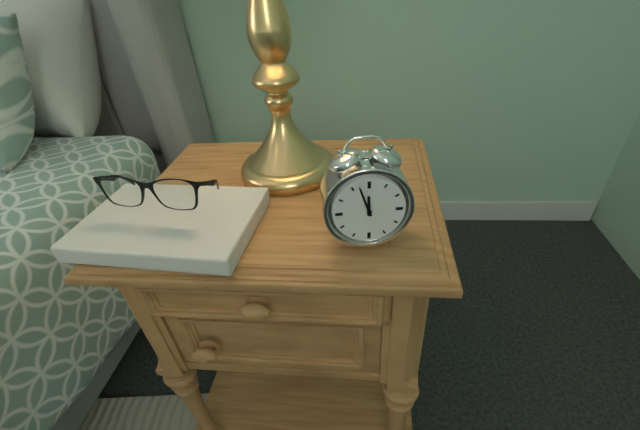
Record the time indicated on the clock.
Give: 11:57
